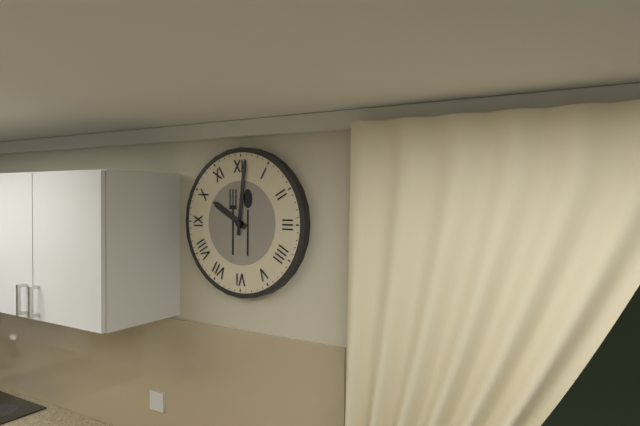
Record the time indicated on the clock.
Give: 10:01
